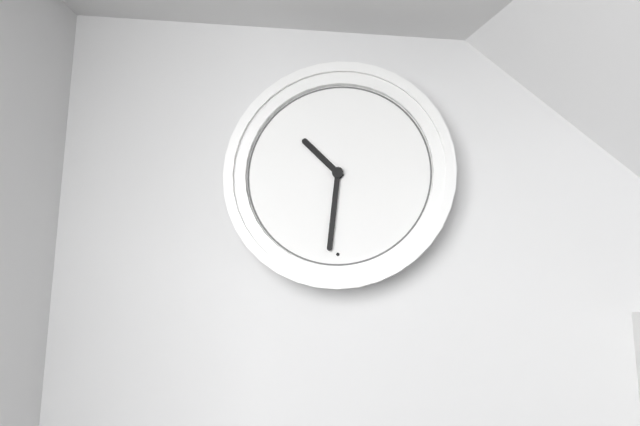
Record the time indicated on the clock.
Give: 10:31
